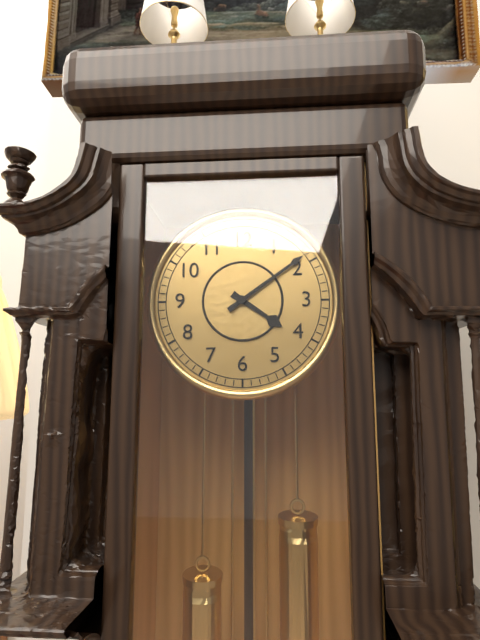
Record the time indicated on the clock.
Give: 4:09
